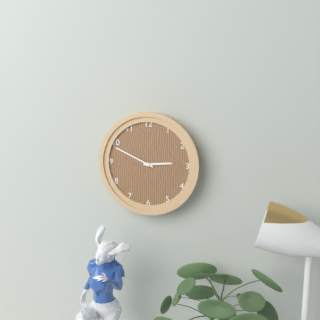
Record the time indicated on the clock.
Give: 2:49
